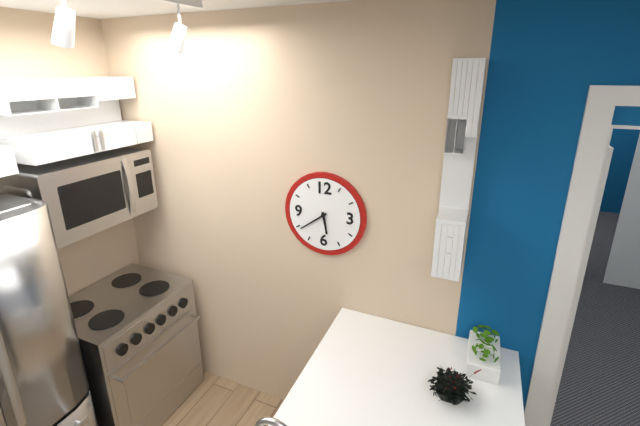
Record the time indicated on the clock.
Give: 5:39
